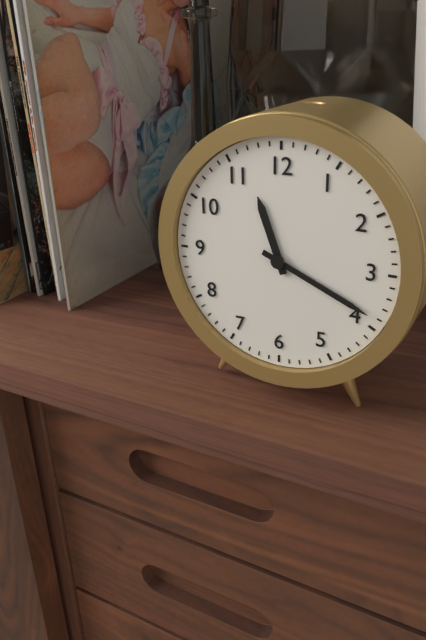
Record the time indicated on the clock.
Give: 11:19
